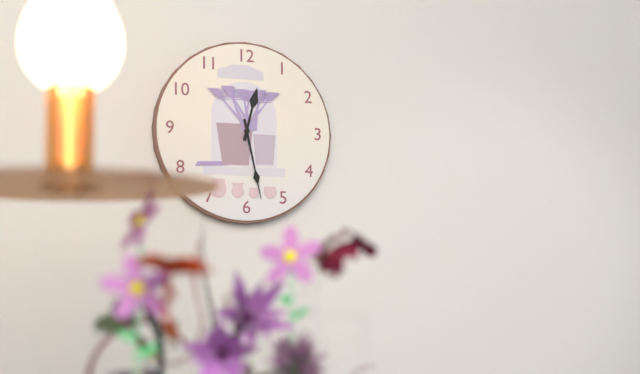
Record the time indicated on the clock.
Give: 12:28
